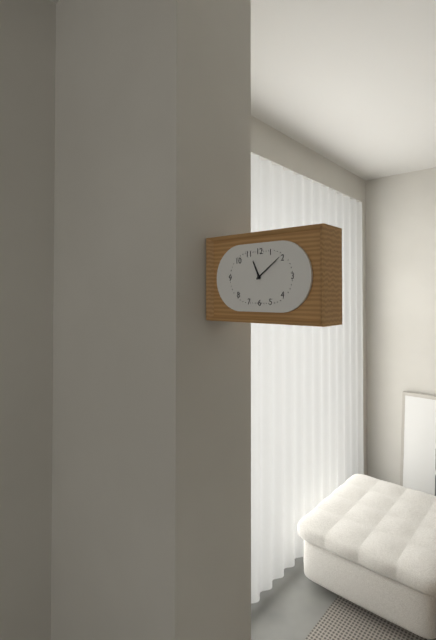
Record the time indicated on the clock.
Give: 11:09
